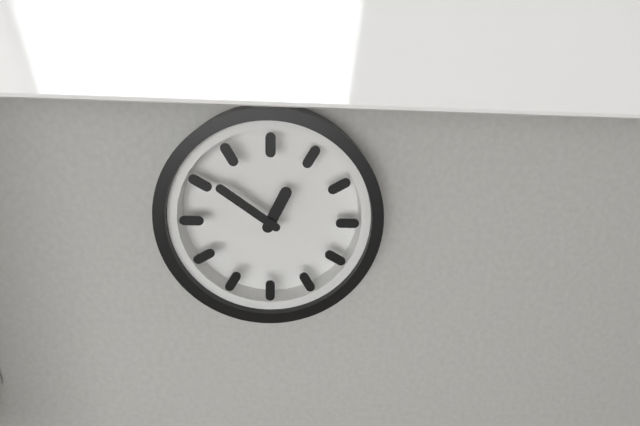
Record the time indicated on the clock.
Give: 12:51
